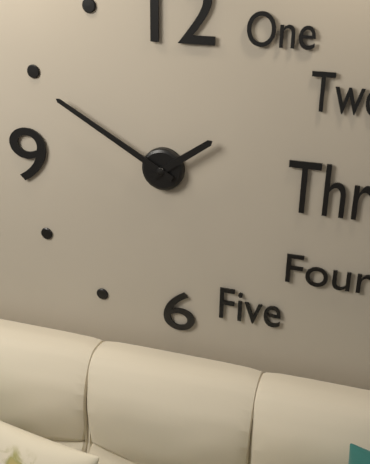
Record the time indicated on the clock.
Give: 1:50
